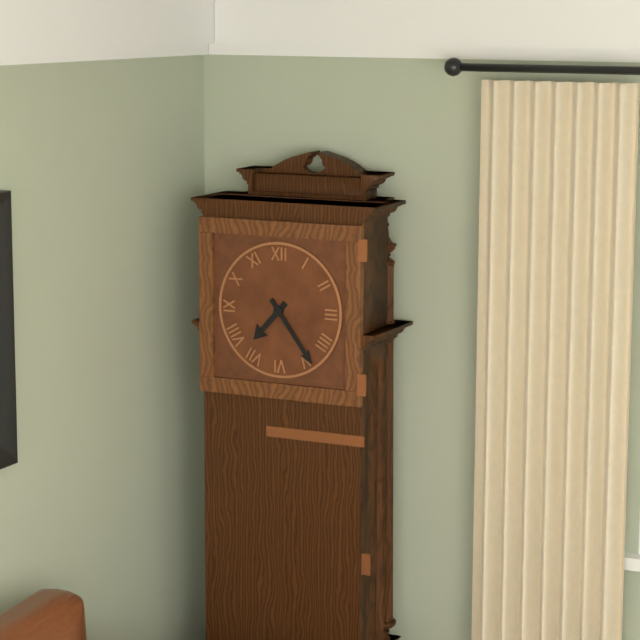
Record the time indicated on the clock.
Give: 7:24
